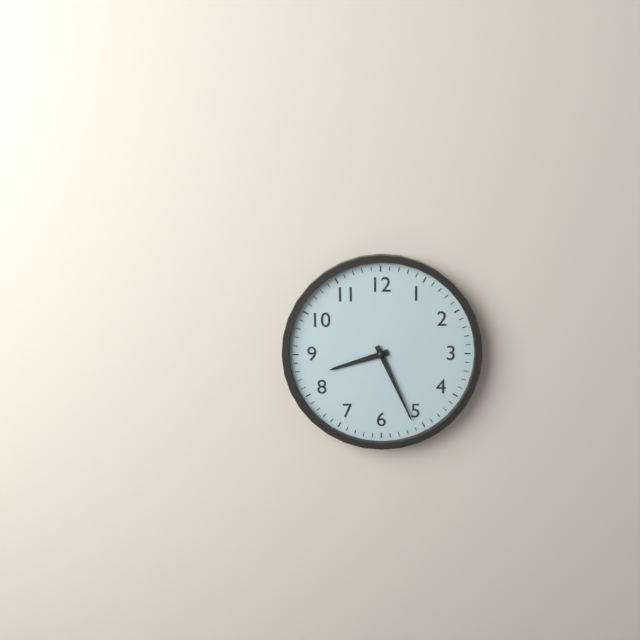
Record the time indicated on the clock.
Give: 8:26
